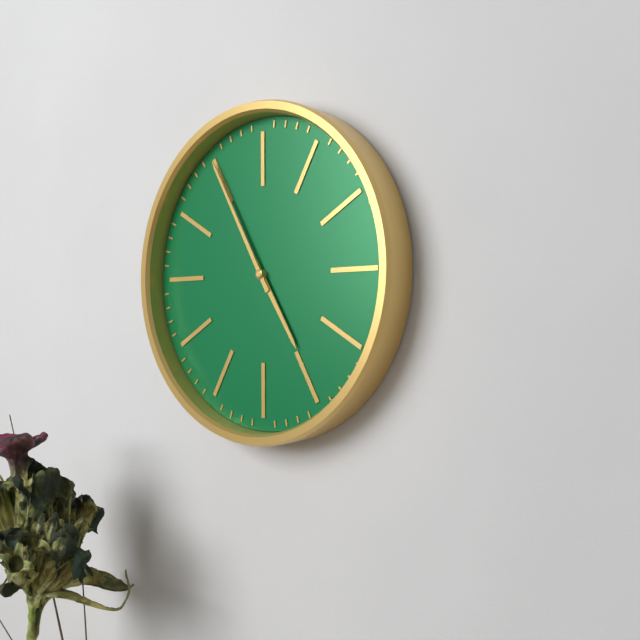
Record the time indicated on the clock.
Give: 4:55
